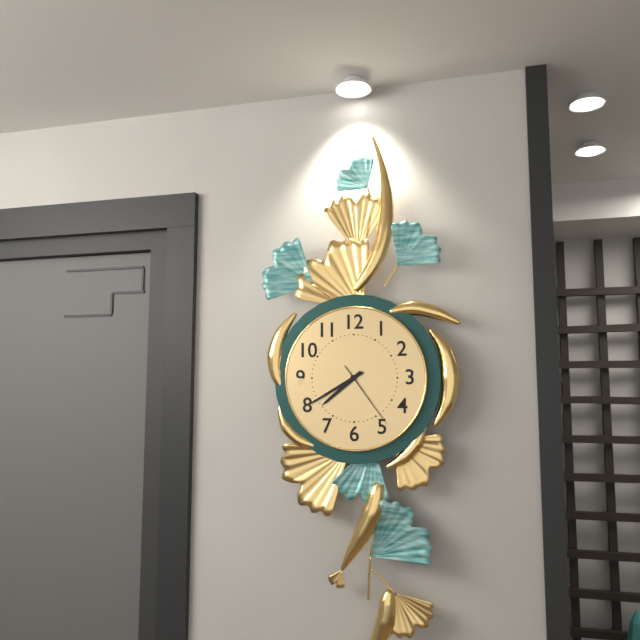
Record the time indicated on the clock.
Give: 7:40:24
